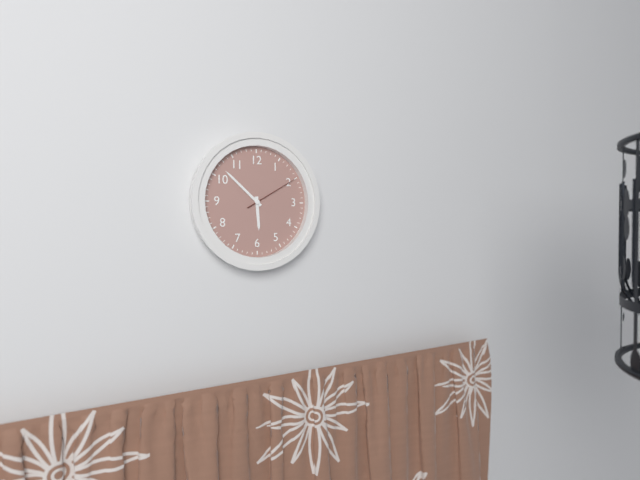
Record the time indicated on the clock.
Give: 5:52:10
